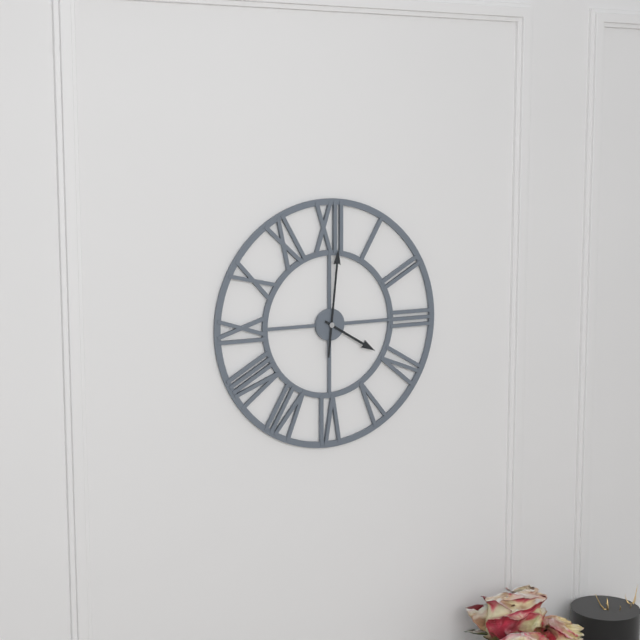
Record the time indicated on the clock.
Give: 4:01
